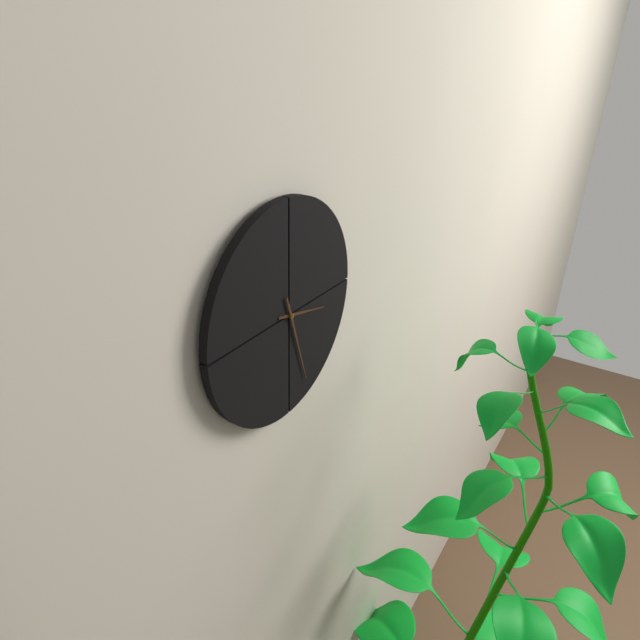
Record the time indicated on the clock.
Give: 3:27
